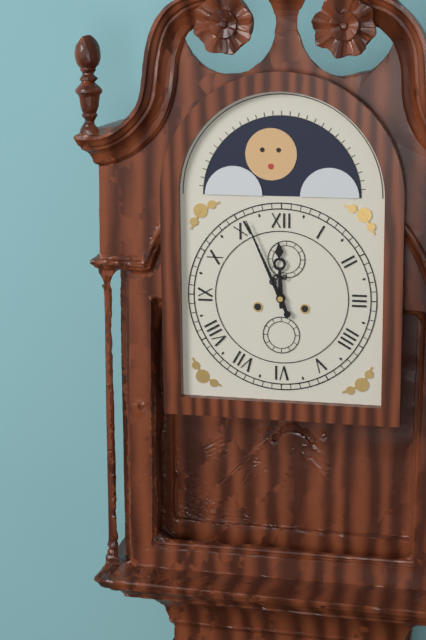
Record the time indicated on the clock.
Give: 11:56
